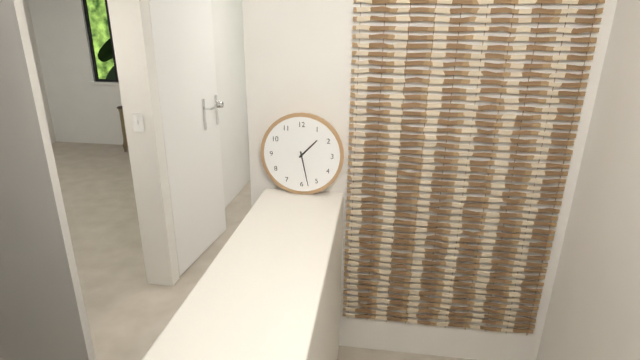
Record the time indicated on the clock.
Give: 1:28
